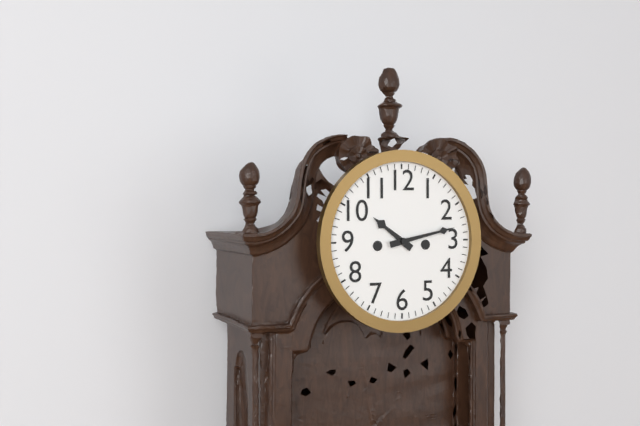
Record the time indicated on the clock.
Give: 10:13
